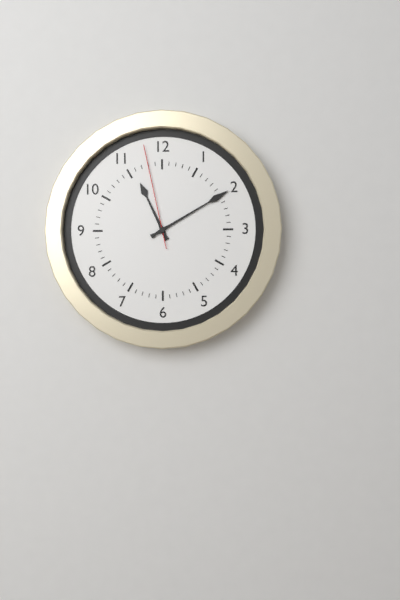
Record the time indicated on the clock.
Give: 11:10:58
